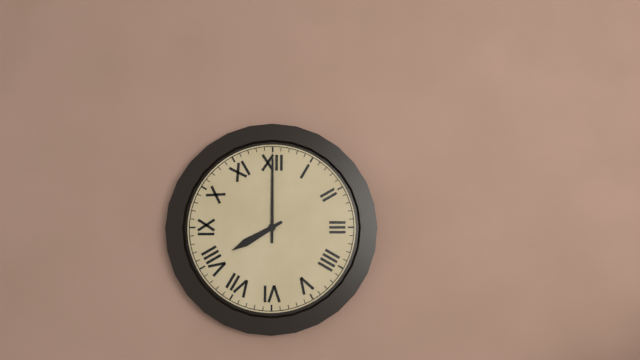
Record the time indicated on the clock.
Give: 8:00
